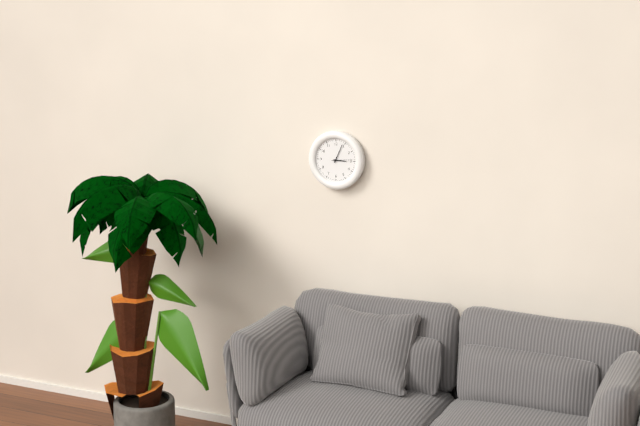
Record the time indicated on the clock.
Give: 3:04
